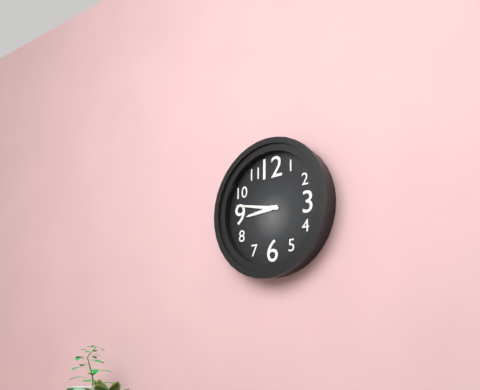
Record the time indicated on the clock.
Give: 8:47
